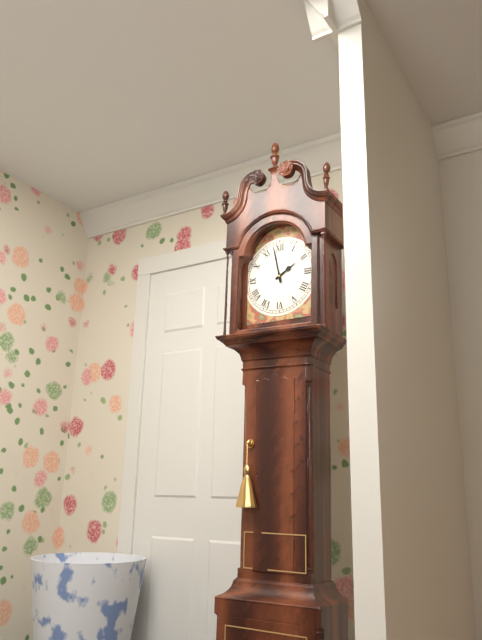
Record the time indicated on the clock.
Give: 1:58
